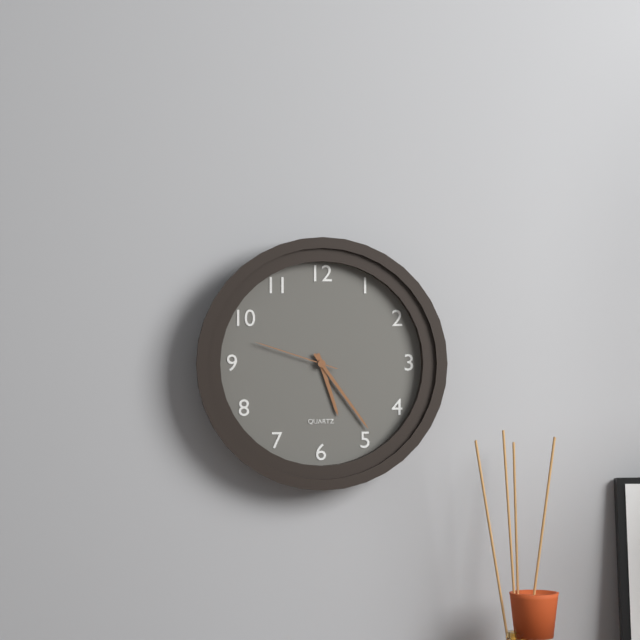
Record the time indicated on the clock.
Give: 5:24:48
